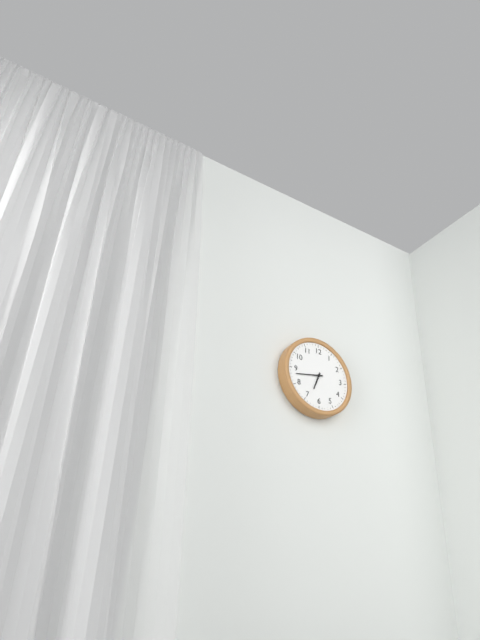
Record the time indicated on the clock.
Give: 6:43
